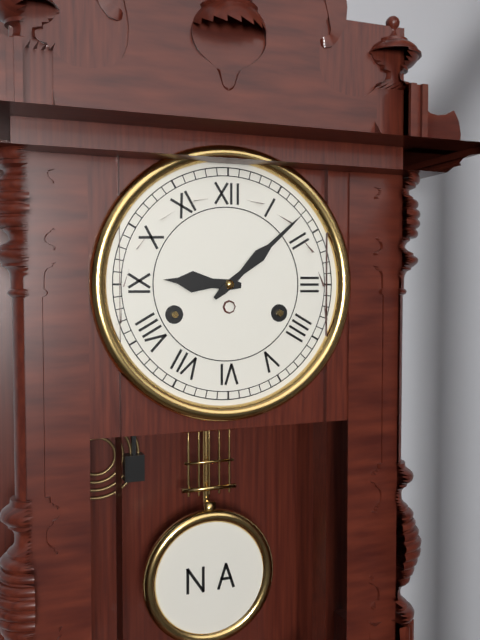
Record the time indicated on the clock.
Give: 9:08
